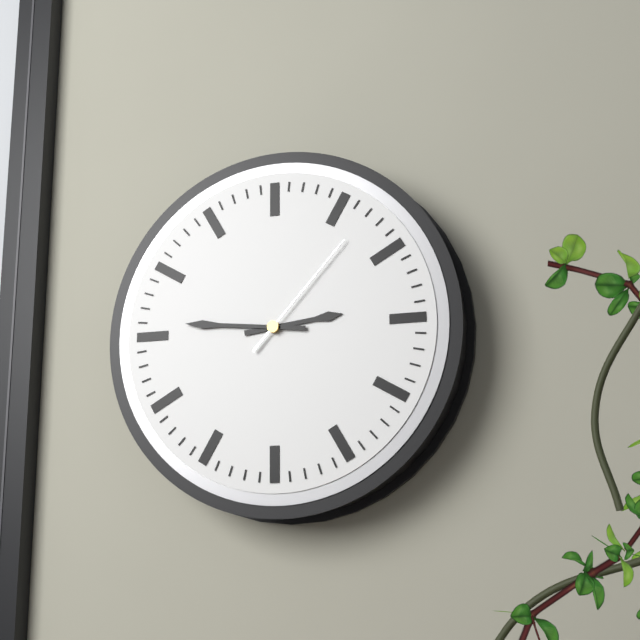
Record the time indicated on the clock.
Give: 2:46:07
